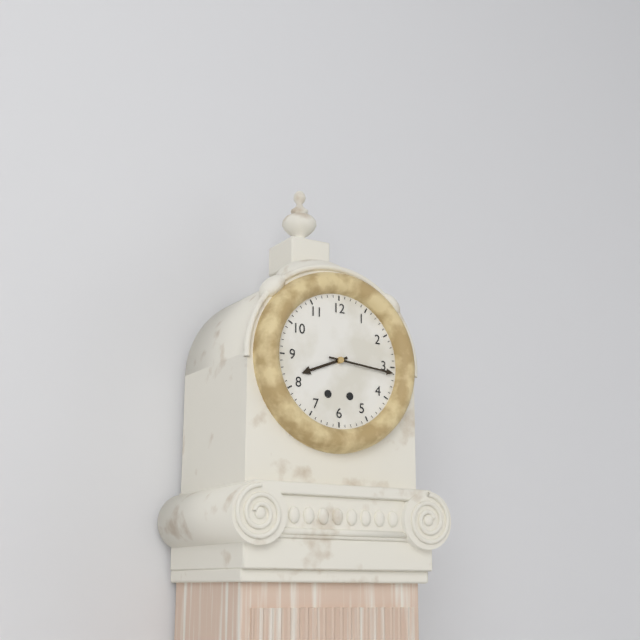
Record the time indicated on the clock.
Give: 8:16
